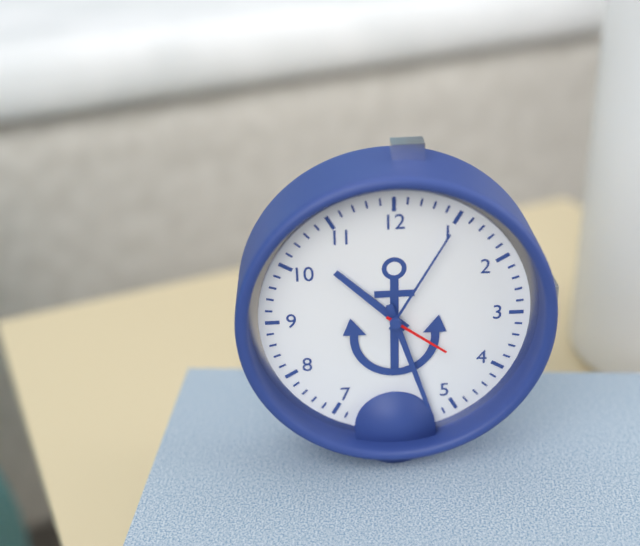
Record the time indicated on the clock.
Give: 10:27:21
